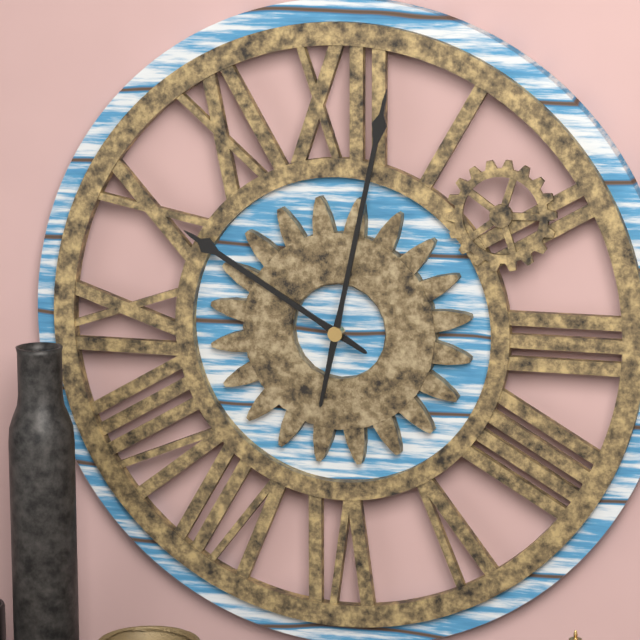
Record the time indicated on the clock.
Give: 10:02
